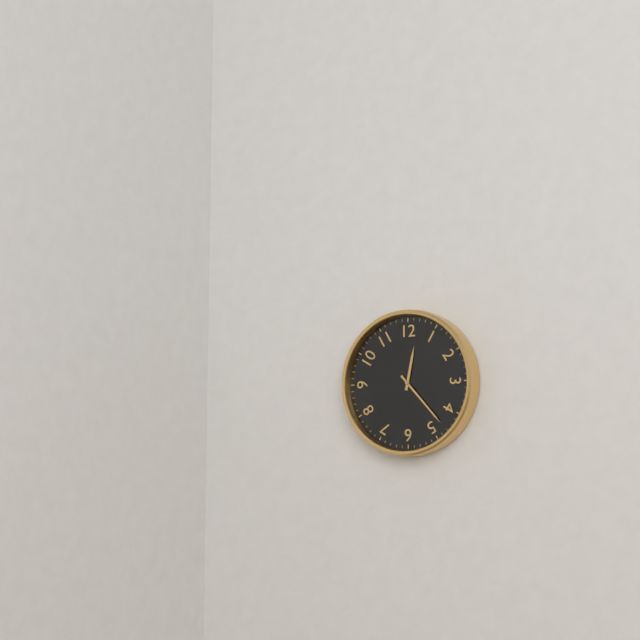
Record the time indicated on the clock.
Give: 12:23
